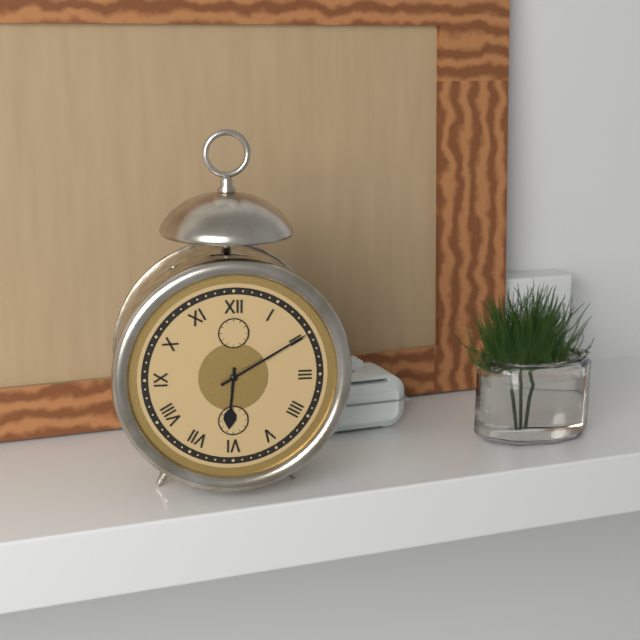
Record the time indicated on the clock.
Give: 6:10
